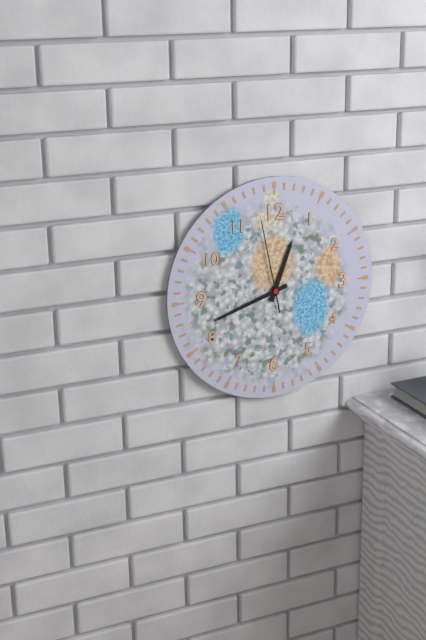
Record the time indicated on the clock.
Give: 12:42:58
